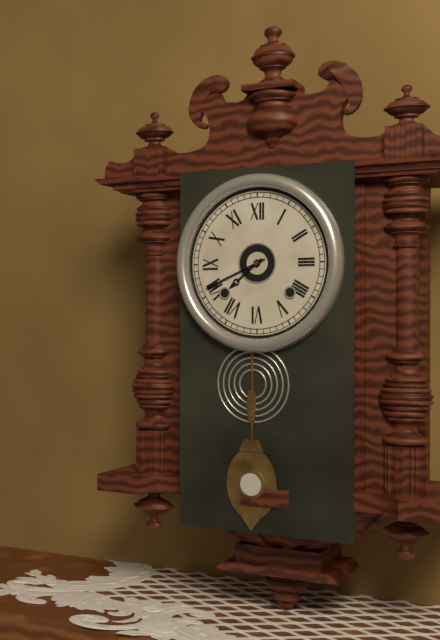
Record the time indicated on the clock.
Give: 7:41
